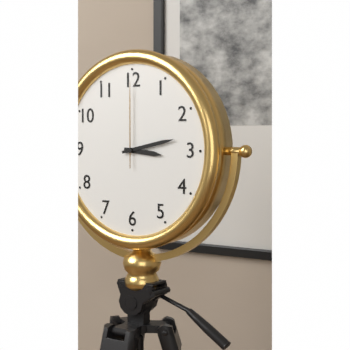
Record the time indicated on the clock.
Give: 3:13:00
